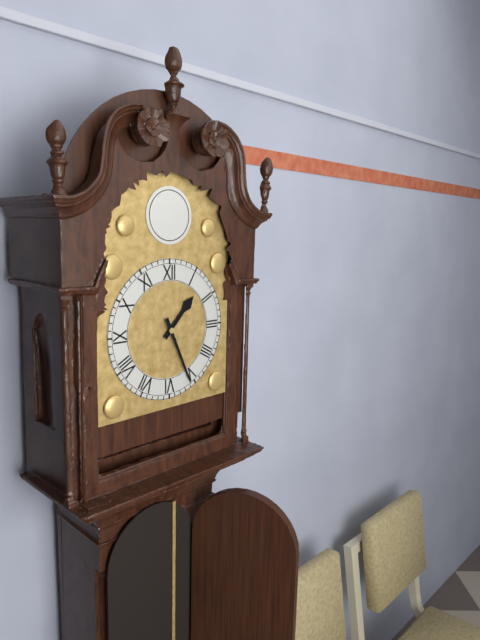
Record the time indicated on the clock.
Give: 1:26
